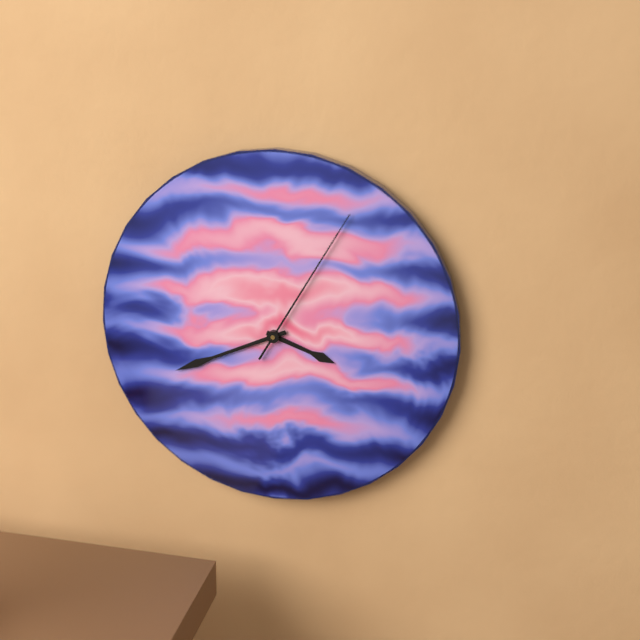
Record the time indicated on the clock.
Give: 3:41:05
